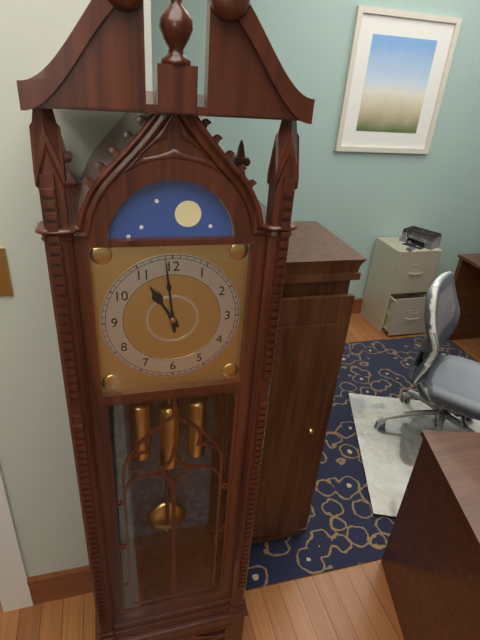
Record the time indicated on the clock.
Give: 10:59
